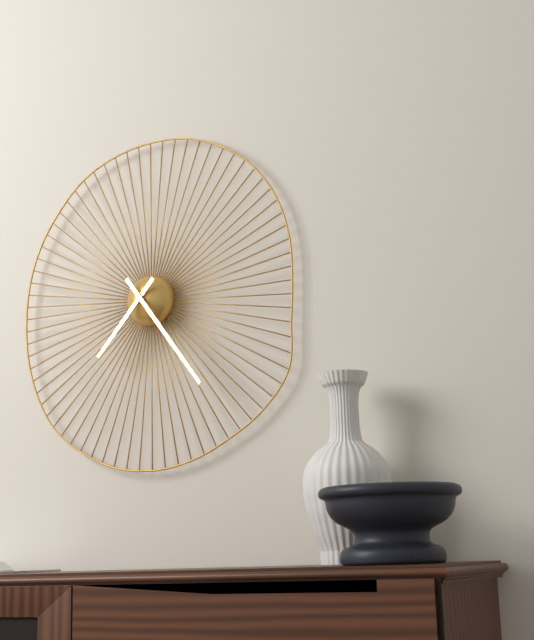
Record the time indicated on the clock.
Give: 7:24
